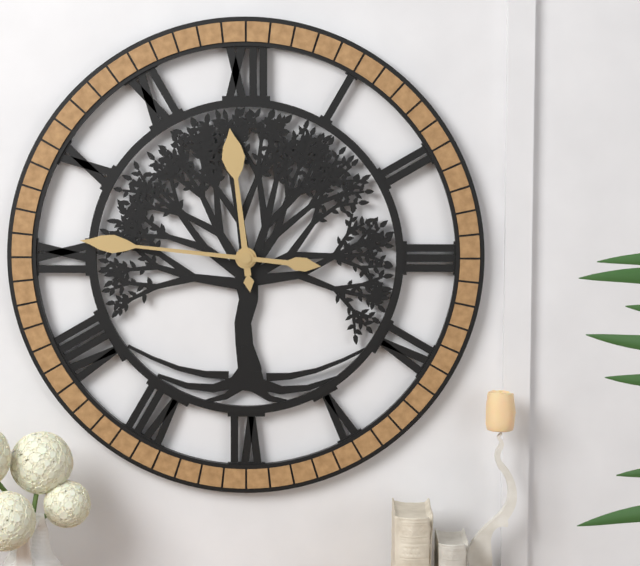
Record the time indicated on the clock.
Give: 11:46
